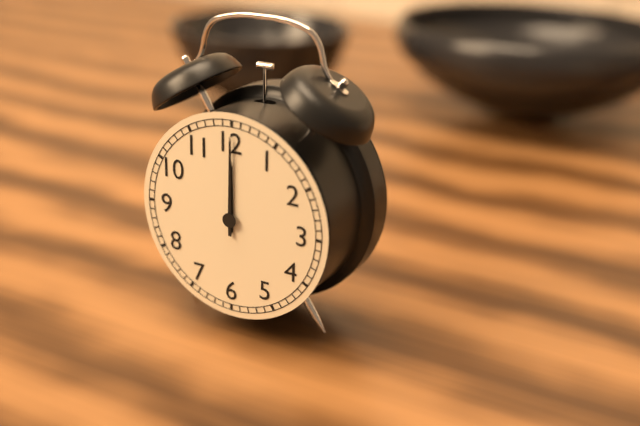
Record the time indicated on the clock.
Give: 12:00
